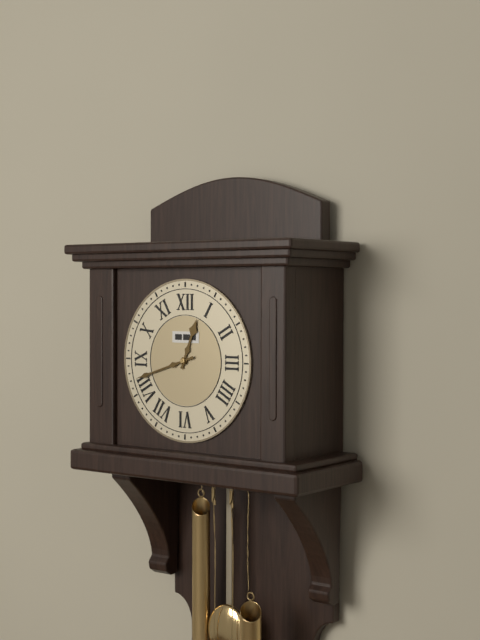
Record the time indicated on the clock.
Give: 12:42
